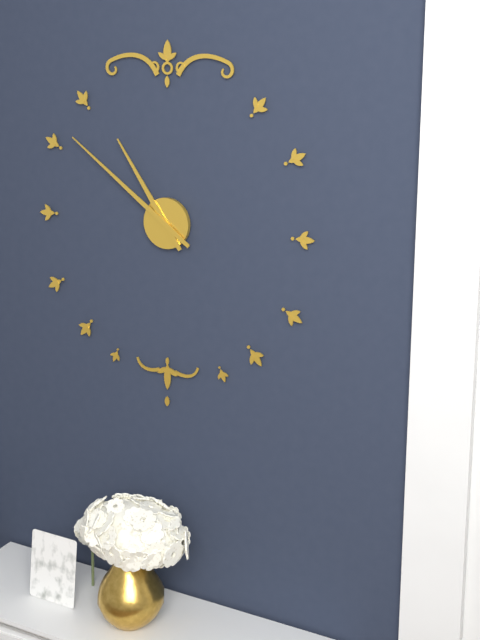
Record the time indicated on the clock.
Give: 10:51
